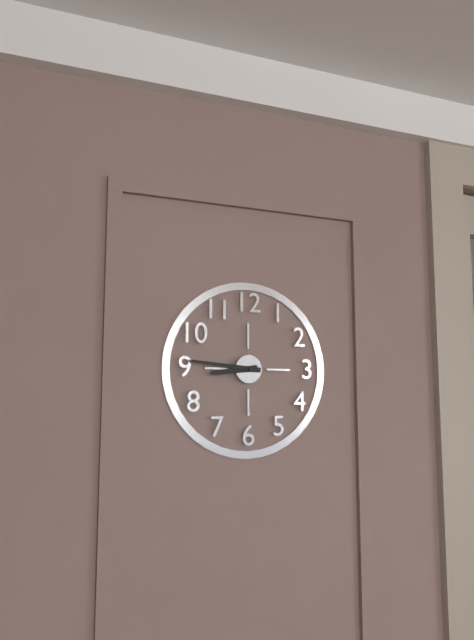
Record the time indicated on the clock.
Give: 8:46
